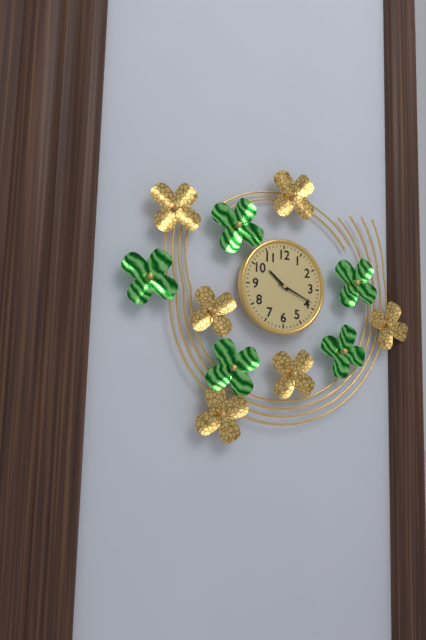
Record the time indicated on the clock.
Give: 10:19
